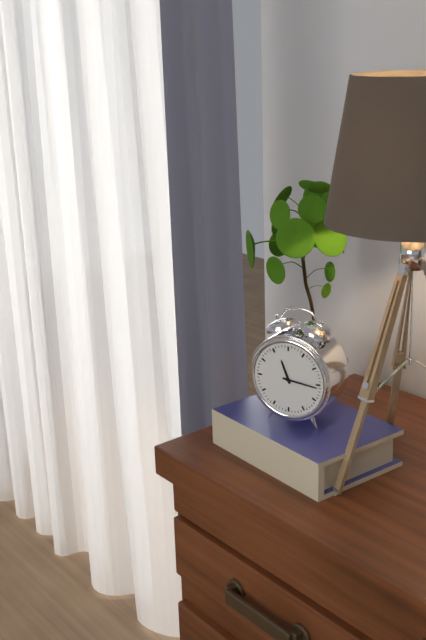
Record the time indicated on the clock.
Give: 11:16
